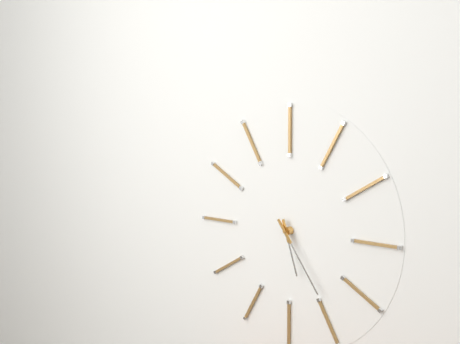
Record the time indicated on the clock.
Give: 5:24
